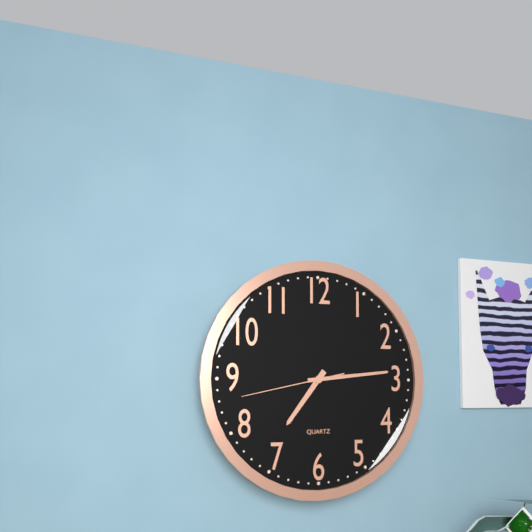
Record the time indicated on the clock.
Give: 7:14:43
